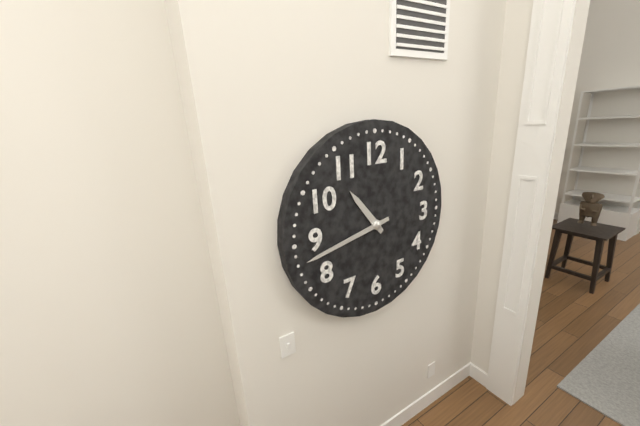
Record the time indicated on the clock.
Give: 10:43
